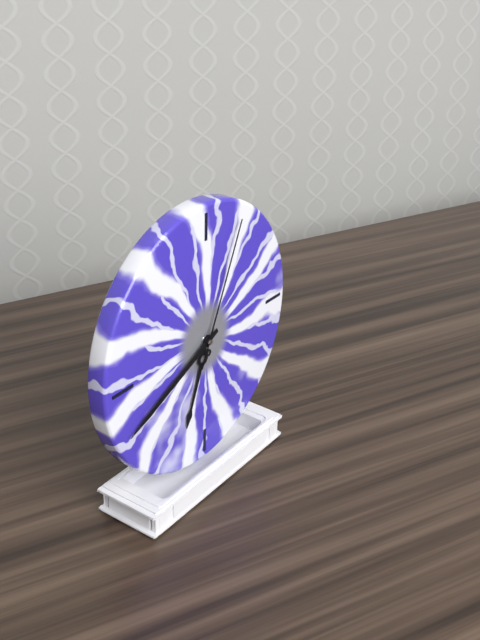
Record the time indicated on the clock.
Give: 6:41:04
